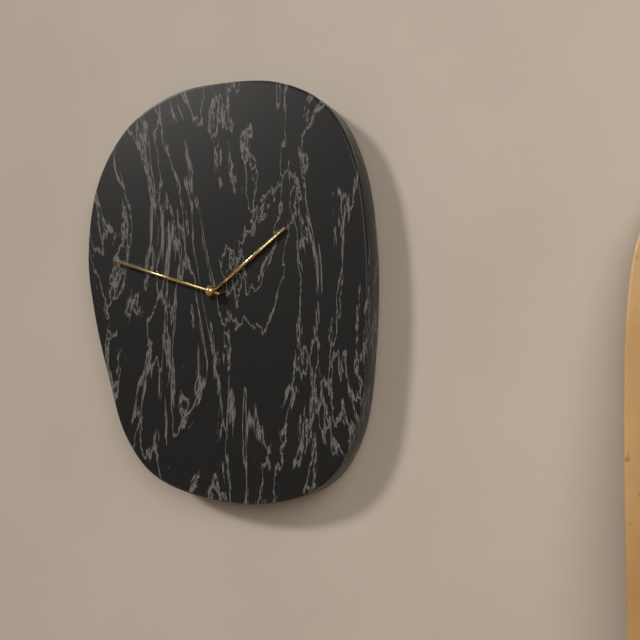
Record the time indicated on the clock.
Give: 1:48
